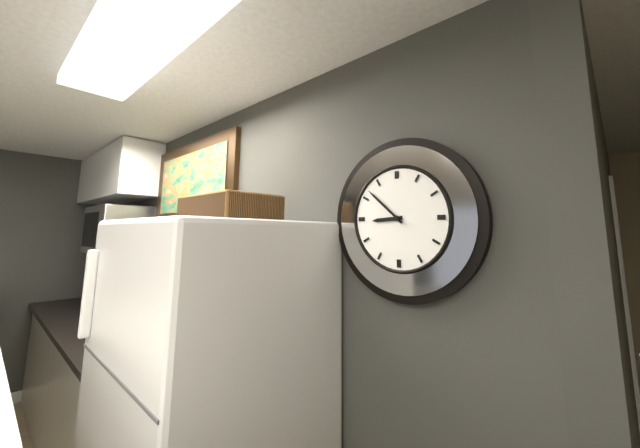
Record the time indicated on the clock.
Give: 8:52
